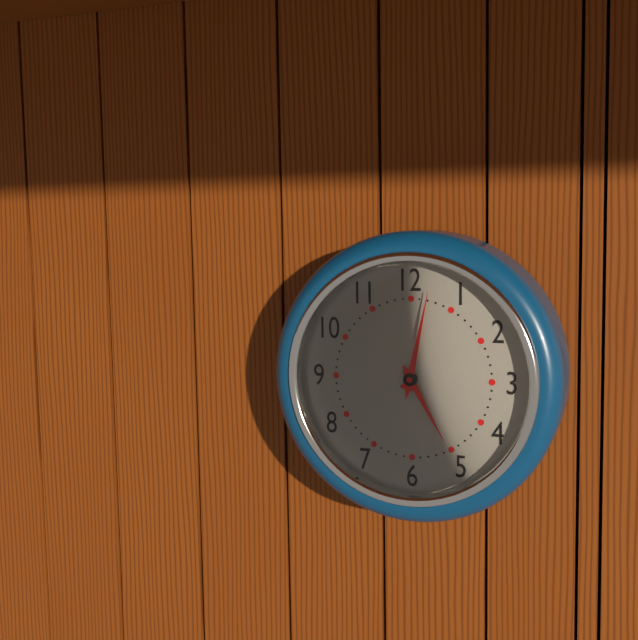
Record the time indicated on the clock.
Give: 5:02
